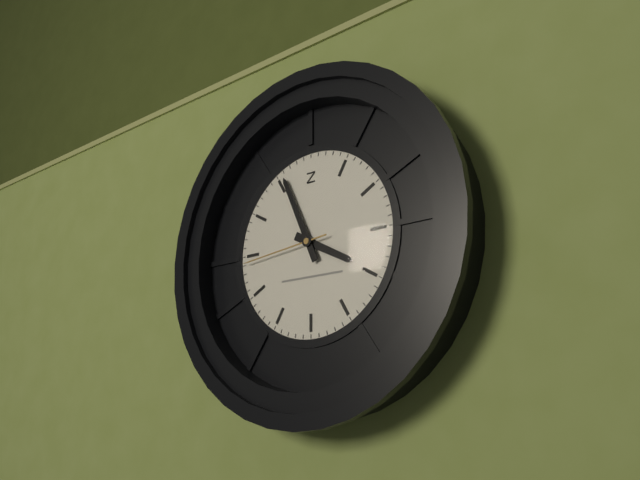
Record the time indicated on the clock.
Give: 3:56:44
